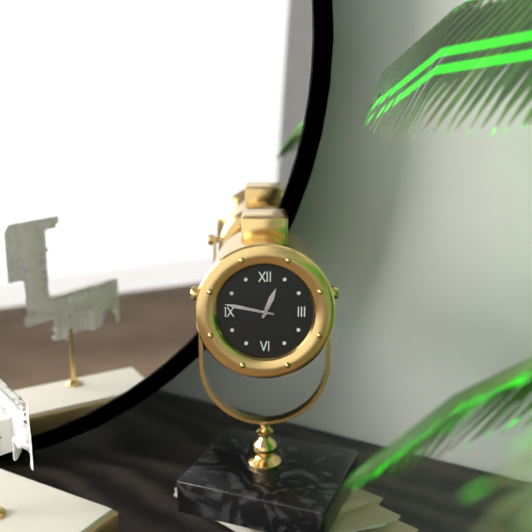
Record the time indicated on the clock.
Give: 12:47
